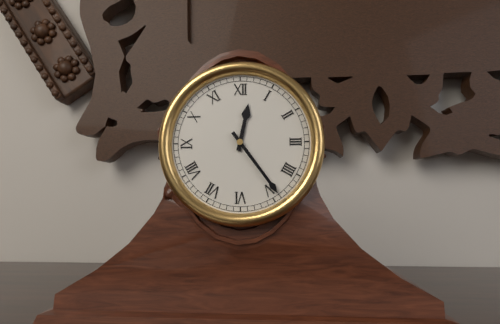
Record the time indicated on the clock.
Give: 12:24
